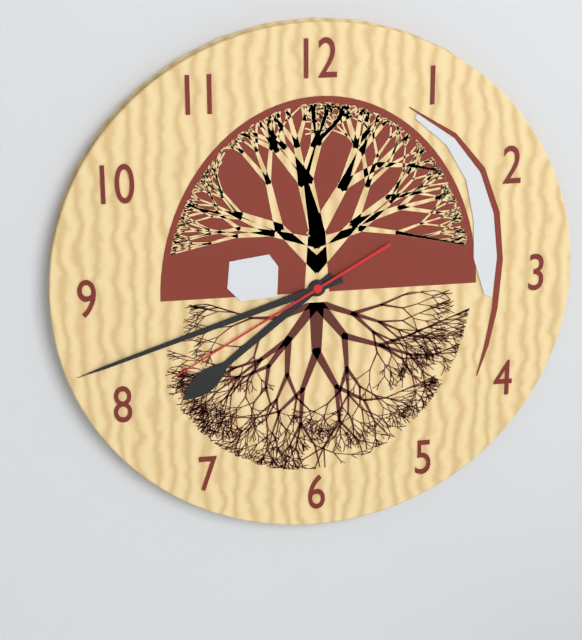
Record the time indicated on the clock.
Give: 7:42:40
